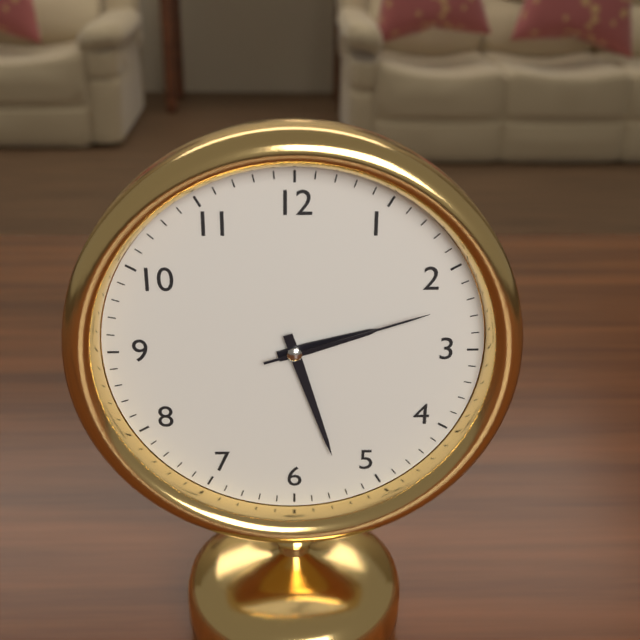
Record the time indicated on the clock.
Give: 2:27:12
